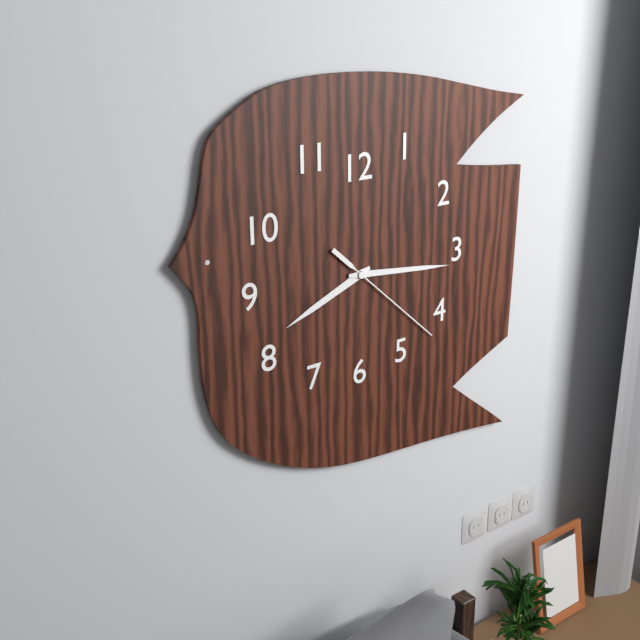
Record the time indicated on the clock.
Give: 8:16:22
